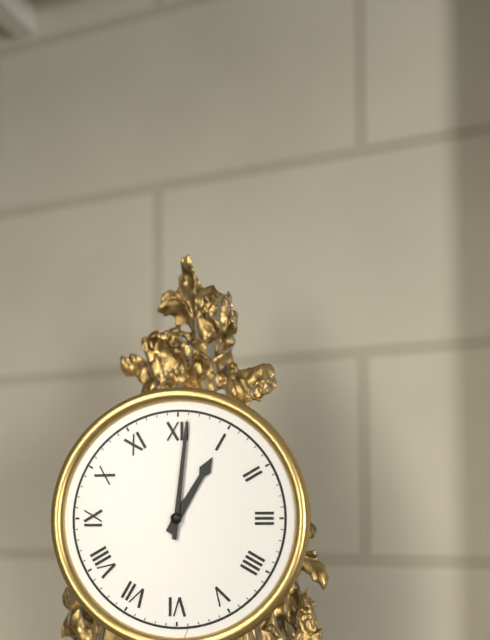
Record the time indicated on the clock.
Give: 1:01
